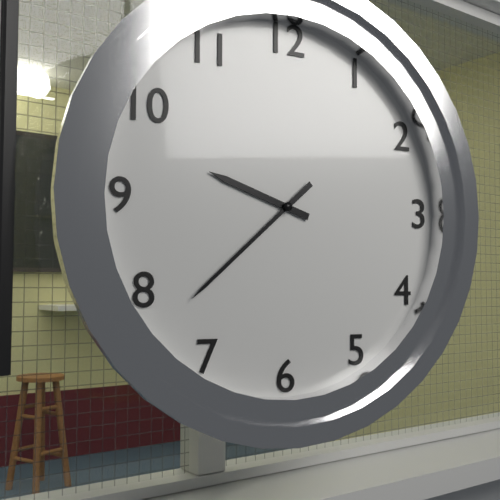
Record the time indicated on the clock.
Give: 9:38
